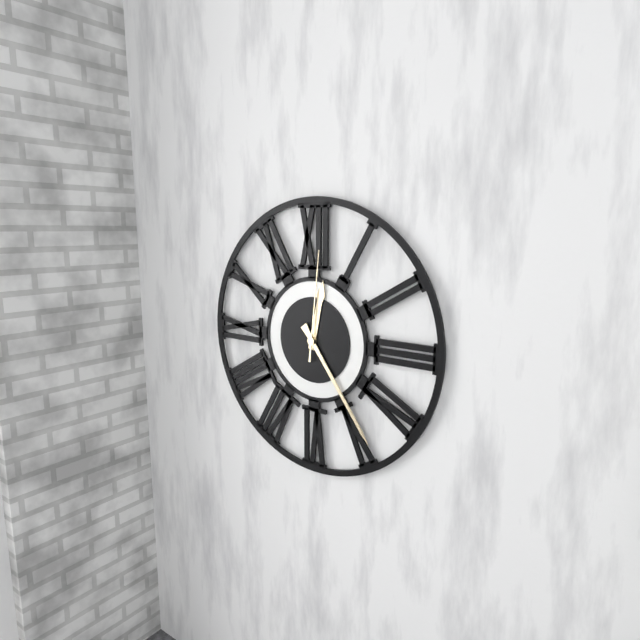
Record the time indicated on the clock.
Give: 12:24:01
